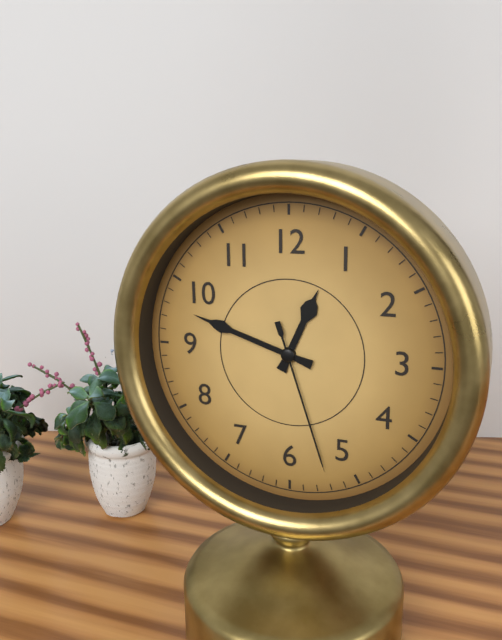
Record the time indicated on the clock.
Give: 12:48:27
